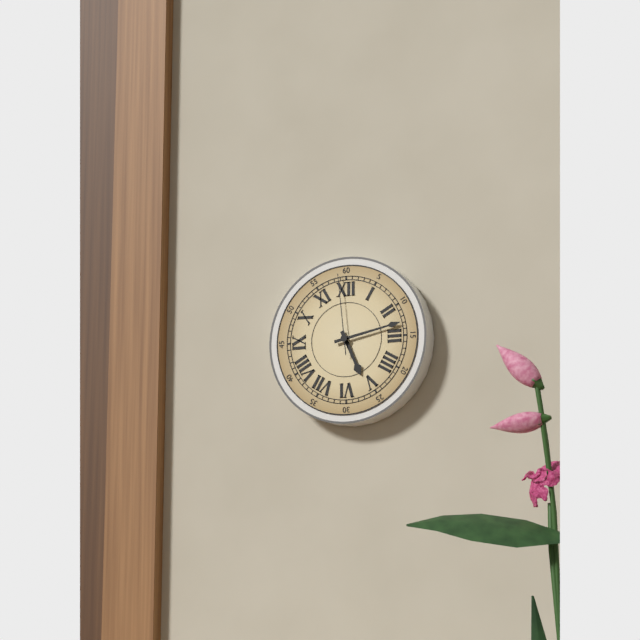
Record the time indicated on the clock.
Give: 5:13:59
